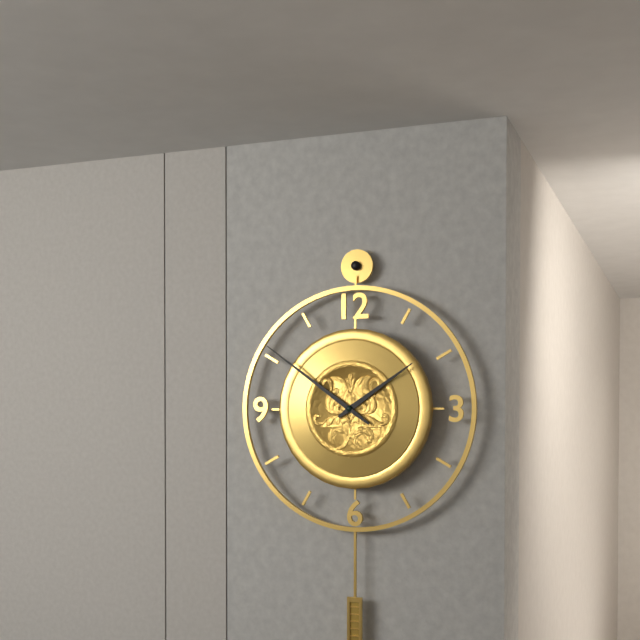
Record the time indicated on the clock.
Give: 1:51
